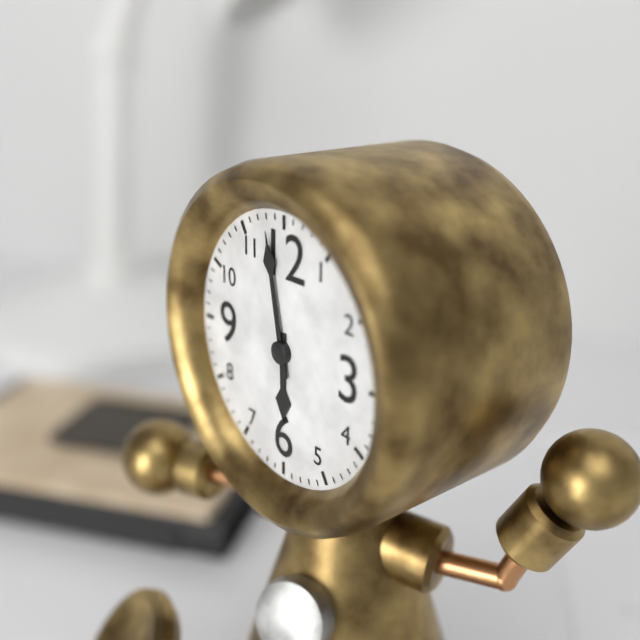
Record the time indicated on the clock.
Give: 5:58
